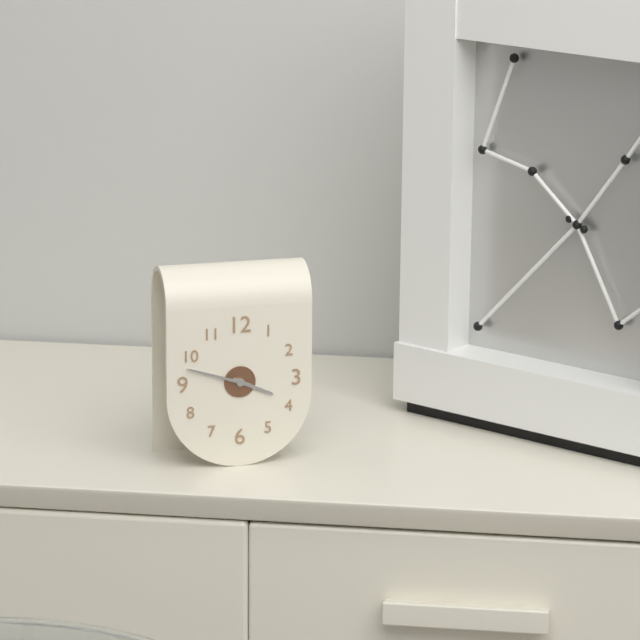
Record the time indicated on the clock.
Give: 3:48
